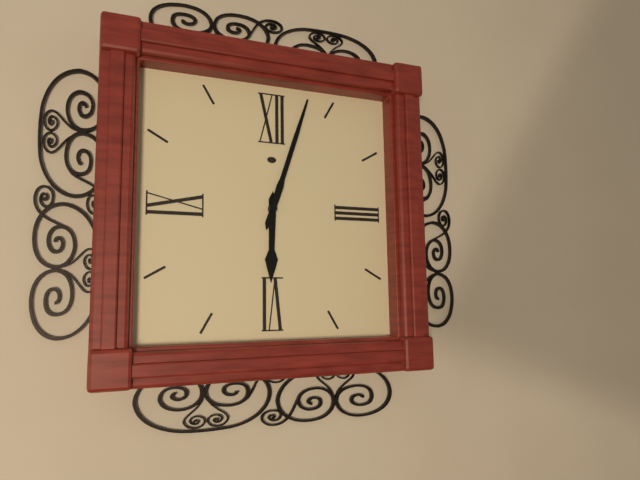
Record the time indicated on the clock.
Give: 6:03
